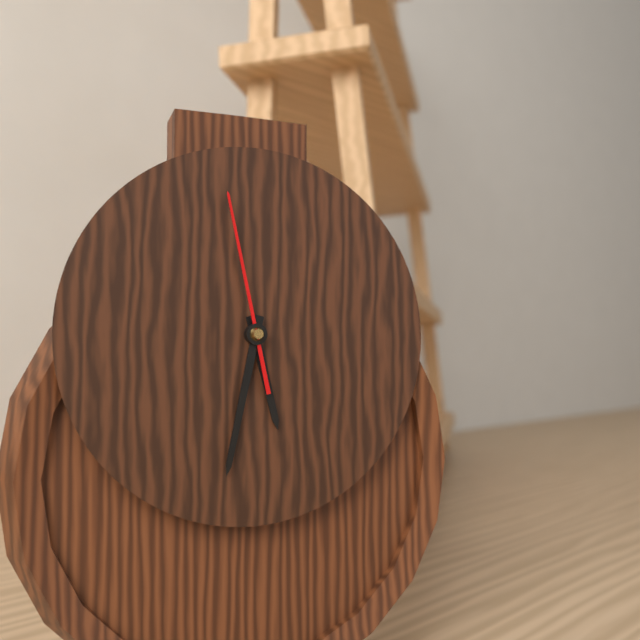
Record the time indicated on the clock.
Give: 5:32:58
